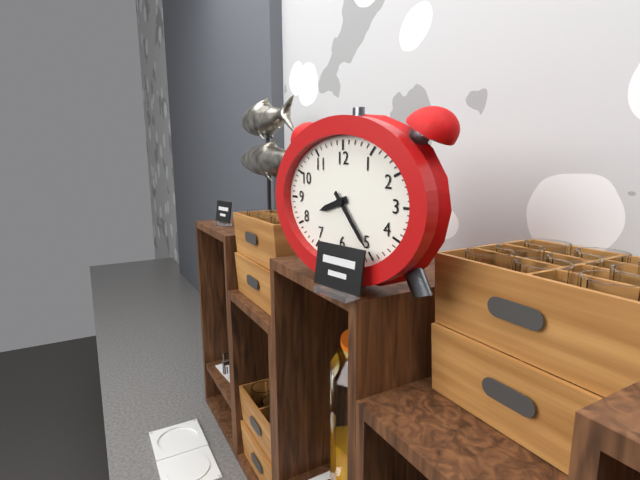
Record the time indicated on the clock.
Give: 8:23
